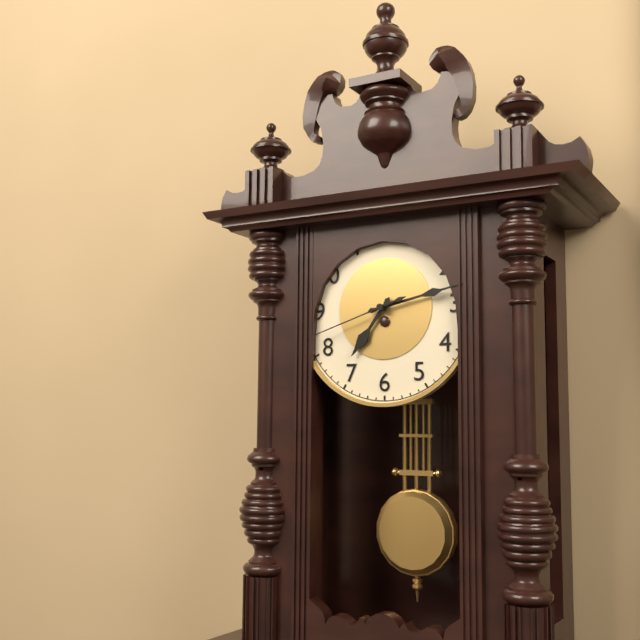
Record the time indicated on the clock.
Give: 7:13:42
